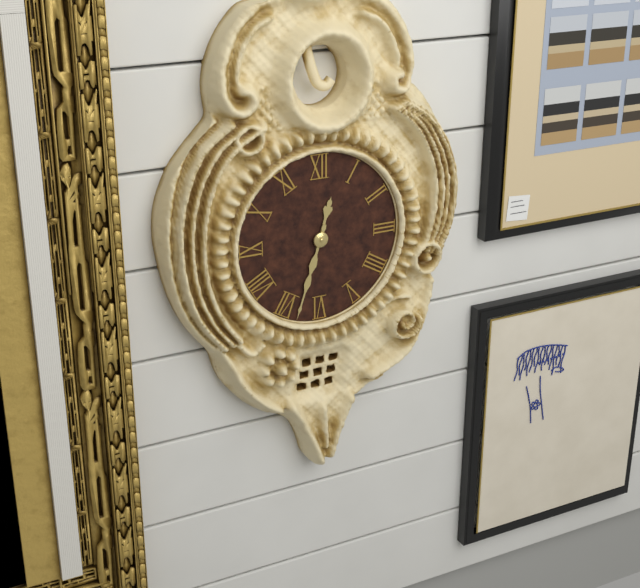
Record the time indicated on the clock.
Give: 12:33
